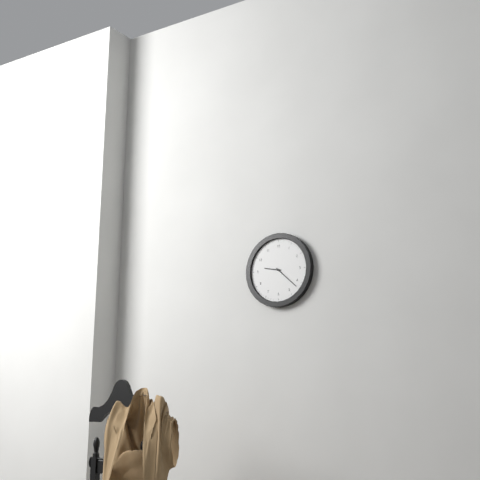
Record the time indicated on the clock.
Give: 9:22
